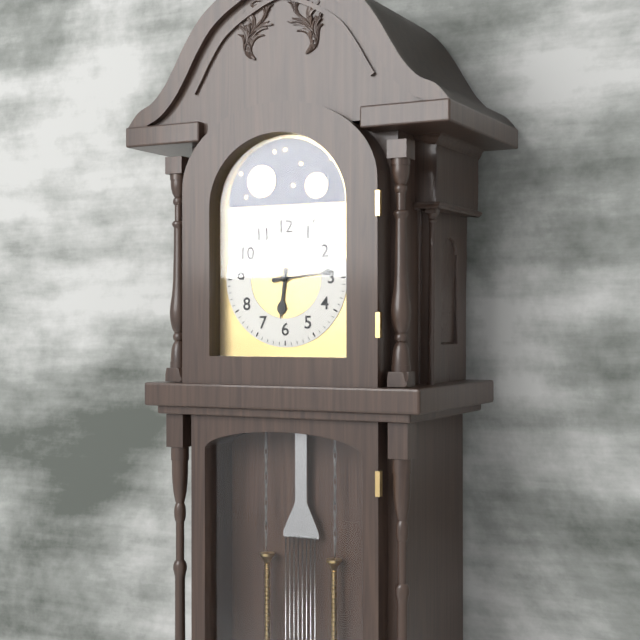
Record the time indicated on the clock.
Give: 6:14
